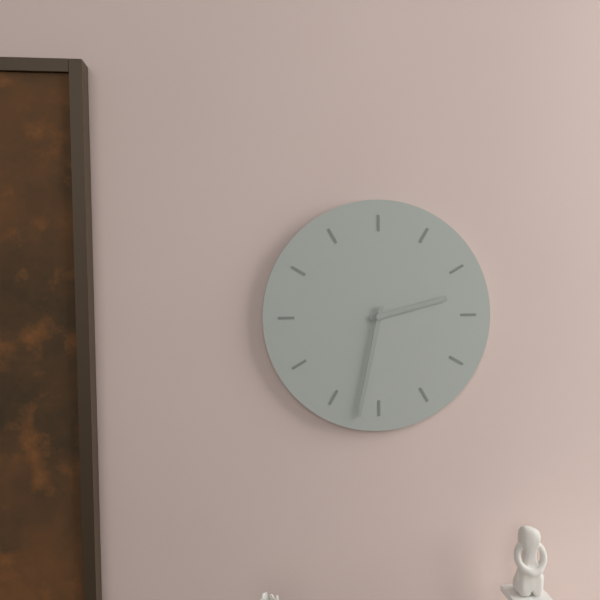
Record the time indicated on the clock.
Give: 2:32
